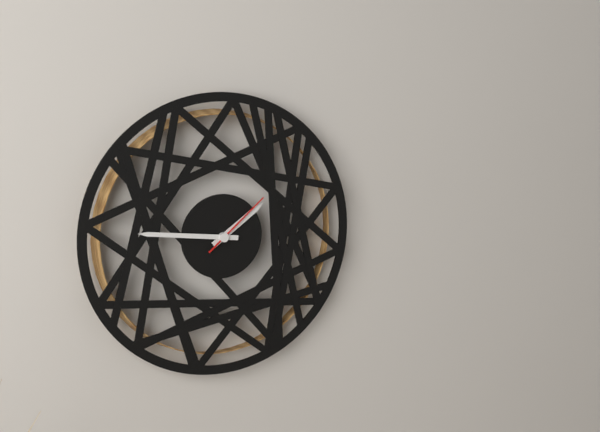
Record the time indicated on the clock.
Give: 1:46:08
